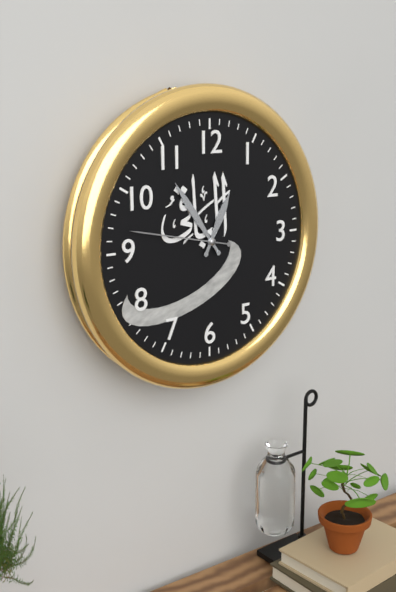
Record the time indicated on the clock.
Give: 12:54:47
